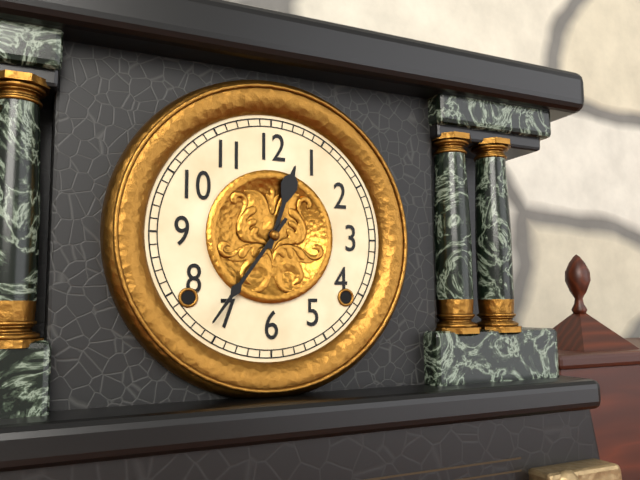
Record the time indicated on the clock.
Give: 12:36
